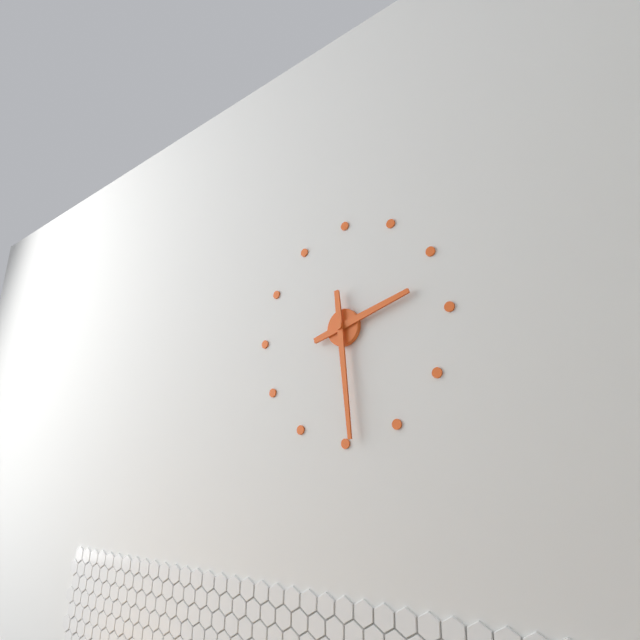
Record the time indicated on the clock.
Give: 2:29
